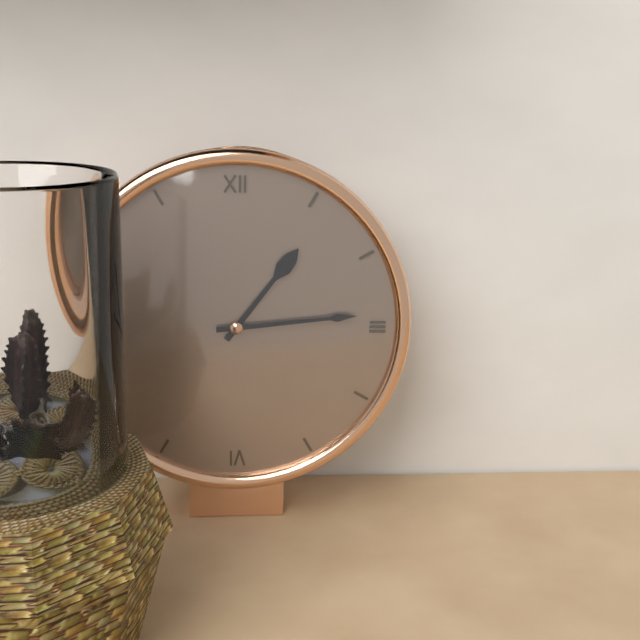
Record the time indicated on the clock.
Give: 1:14
